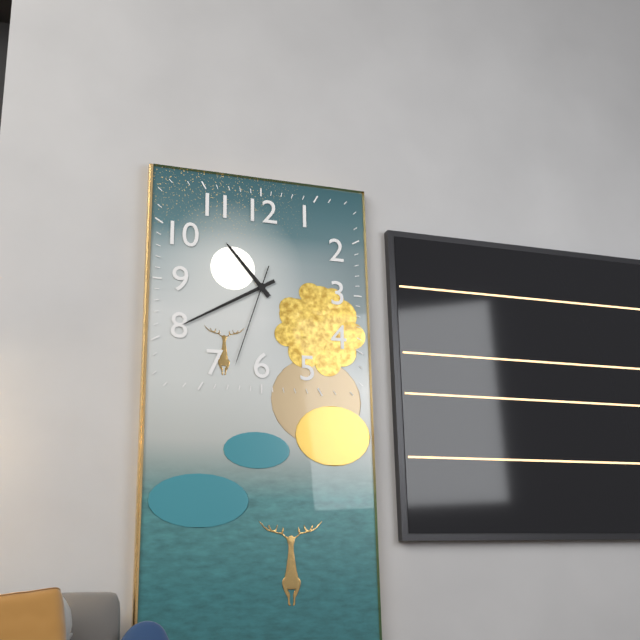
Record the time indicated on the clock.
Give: 10:40:33
